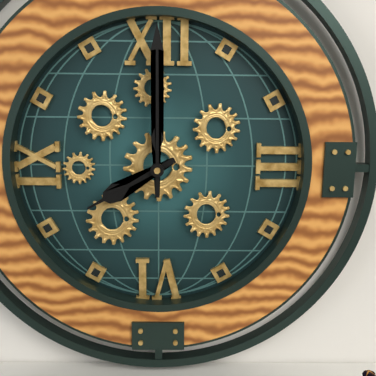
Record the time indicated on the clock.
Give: 8:00
